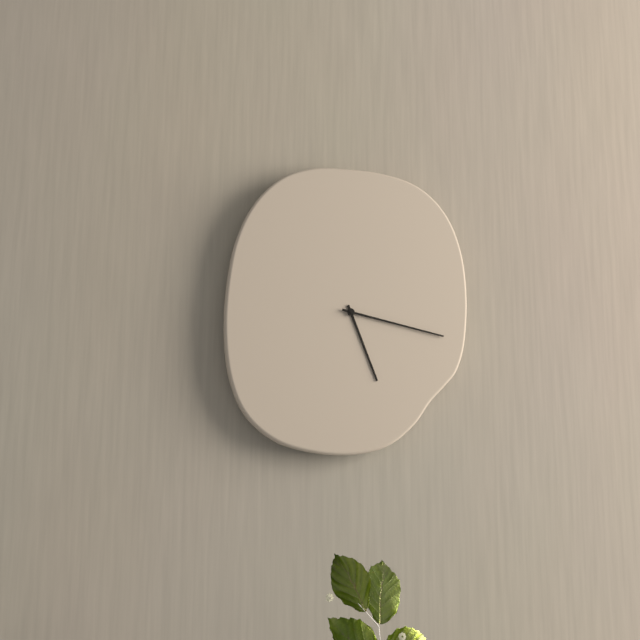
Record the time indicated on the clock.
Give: 5:17
